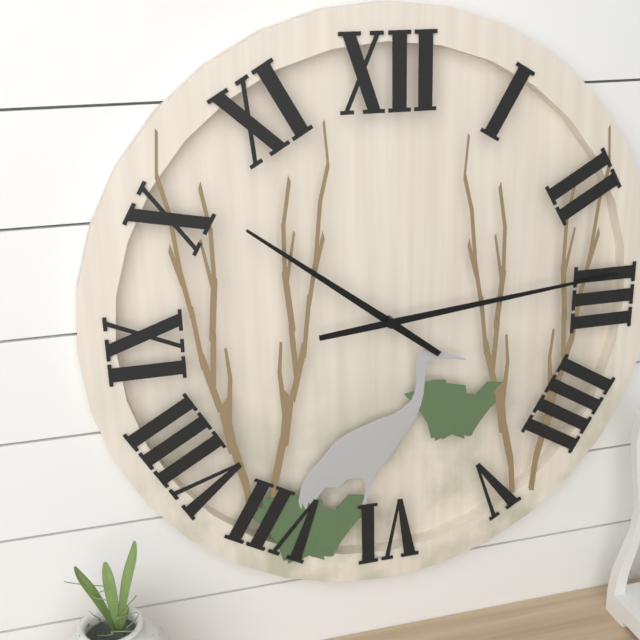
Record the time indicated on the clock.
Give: 10:14
